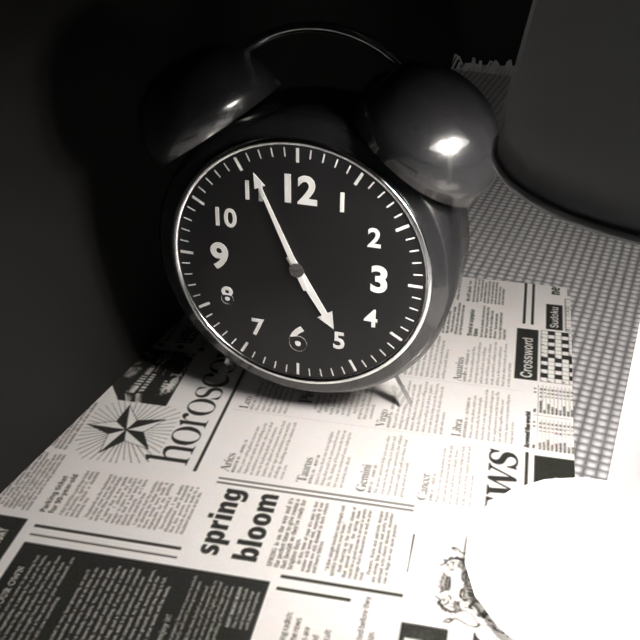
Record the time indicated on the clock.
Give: 4:56
